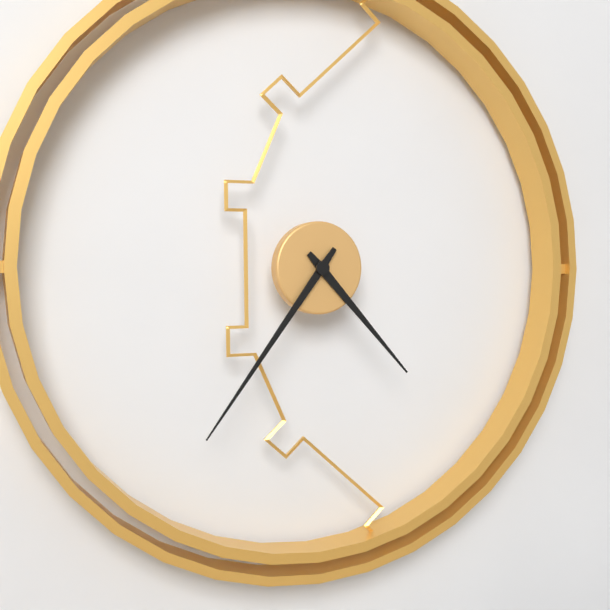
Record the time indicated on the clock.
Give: 4:36
